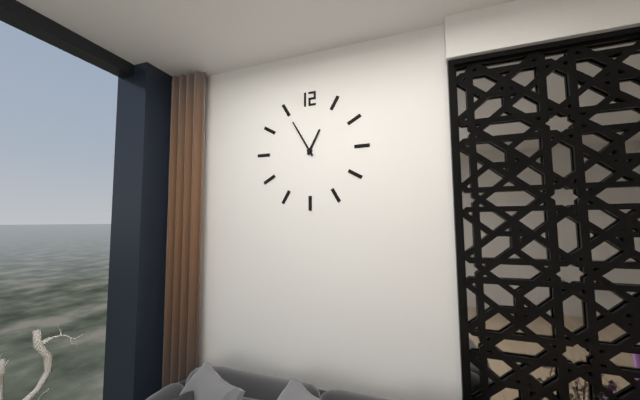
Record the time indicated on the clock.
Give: 12:55
